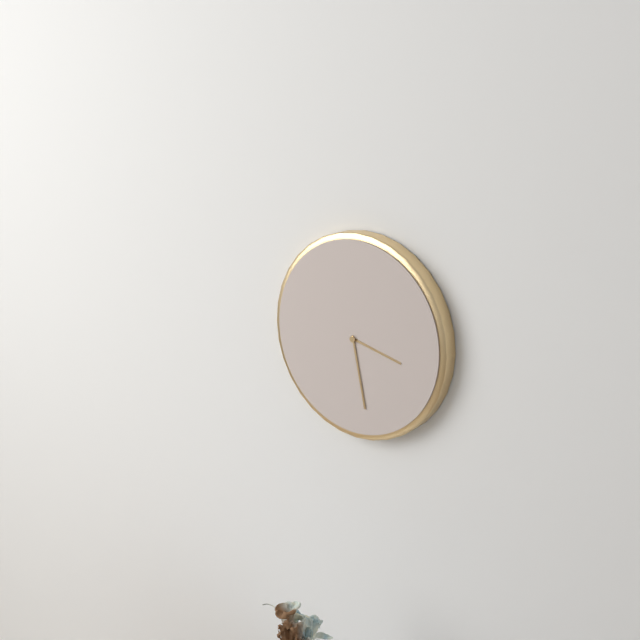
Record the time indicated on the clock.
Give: 3:28
